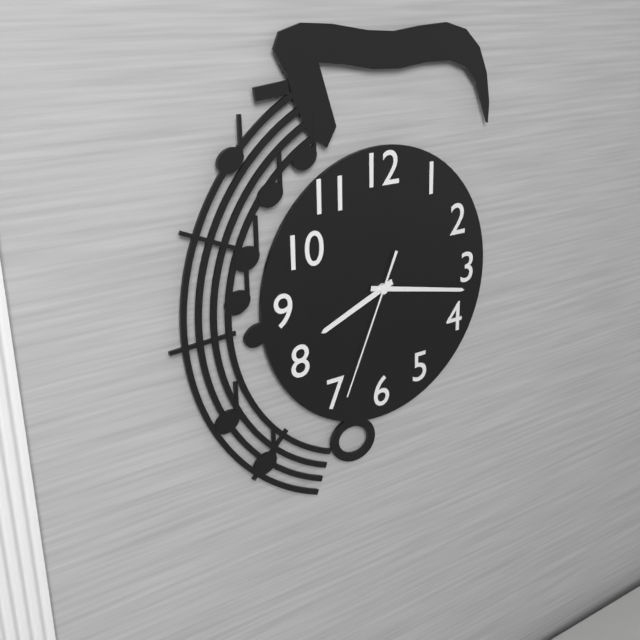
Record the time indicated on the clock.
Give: 8:17:34
